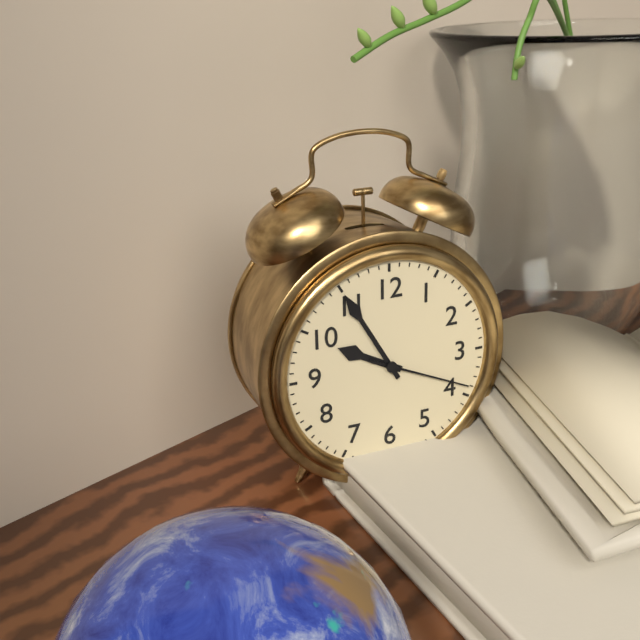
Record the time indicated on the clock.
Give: 9:55:19
